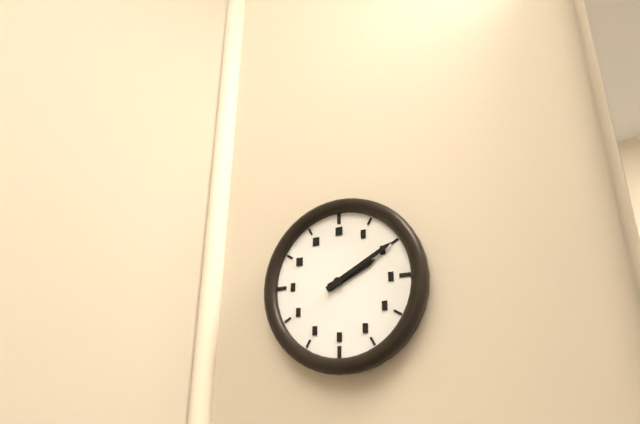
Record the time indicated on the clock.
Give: 2:10
